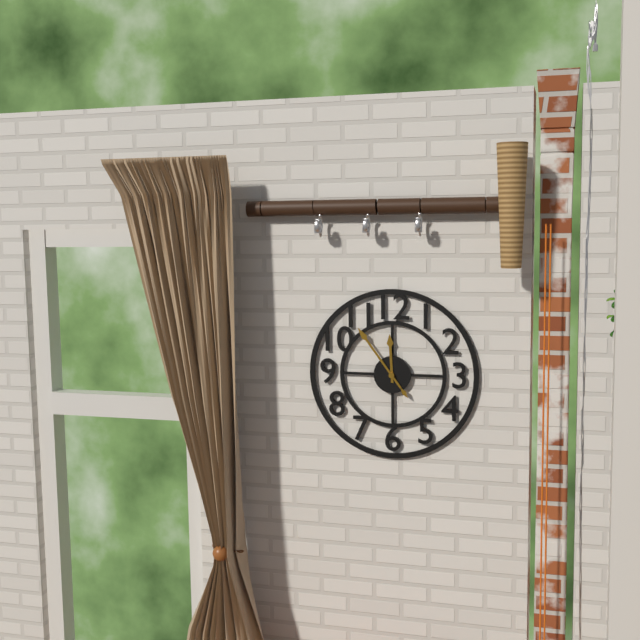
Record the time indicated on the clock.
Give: 11:54
